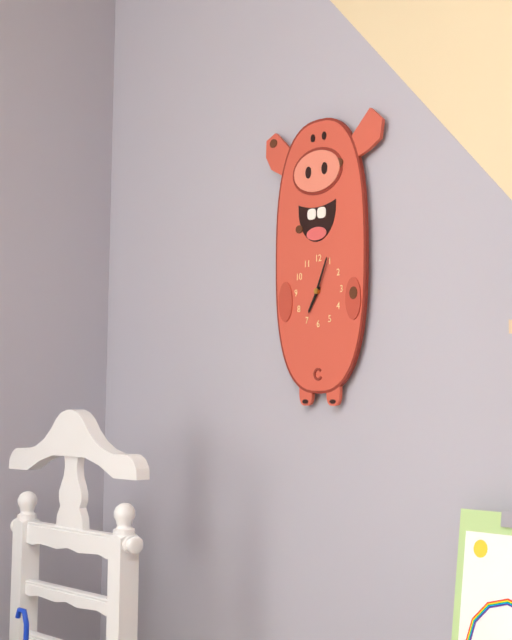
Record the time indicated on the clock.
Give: 7:04
